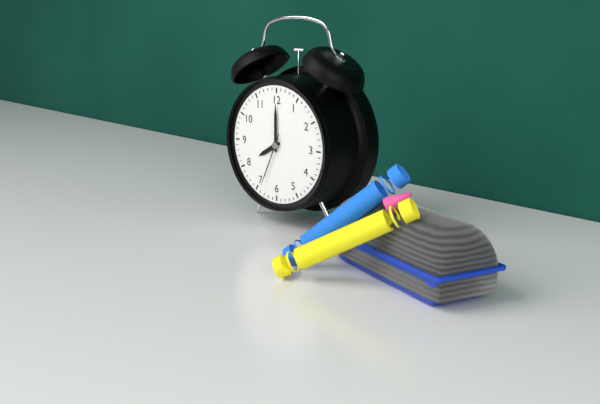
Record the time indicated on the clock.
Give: 8:00:34
